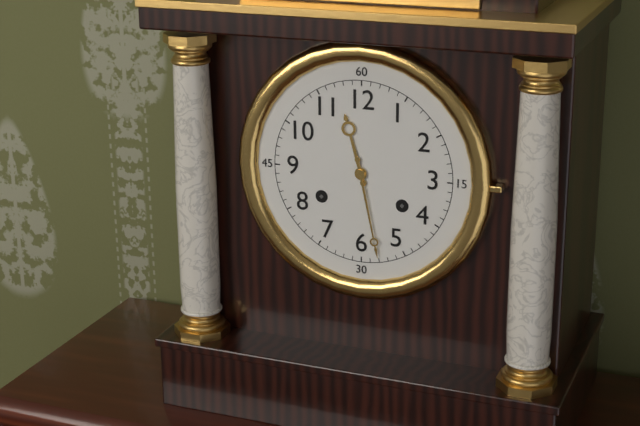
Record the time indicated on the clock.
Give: 11:28
